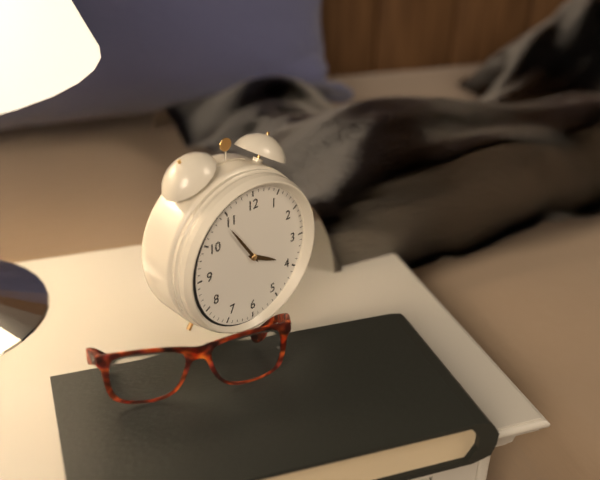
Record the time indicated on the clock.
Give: 3:54
